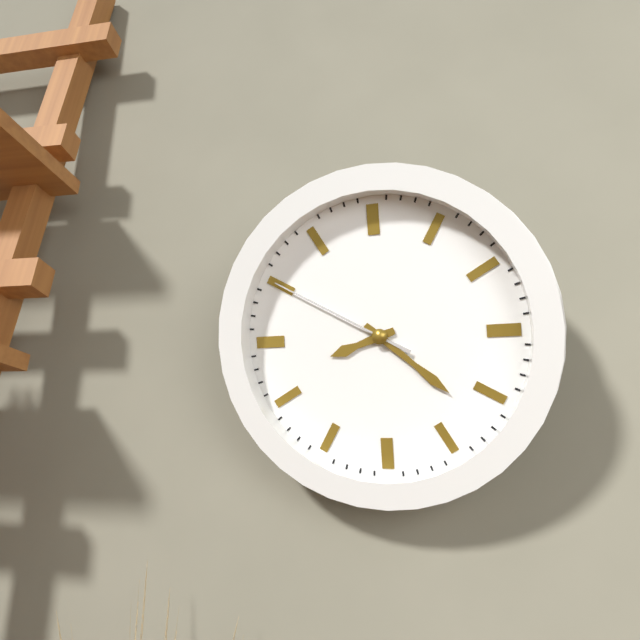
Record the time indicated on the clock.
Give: 8:22:50
